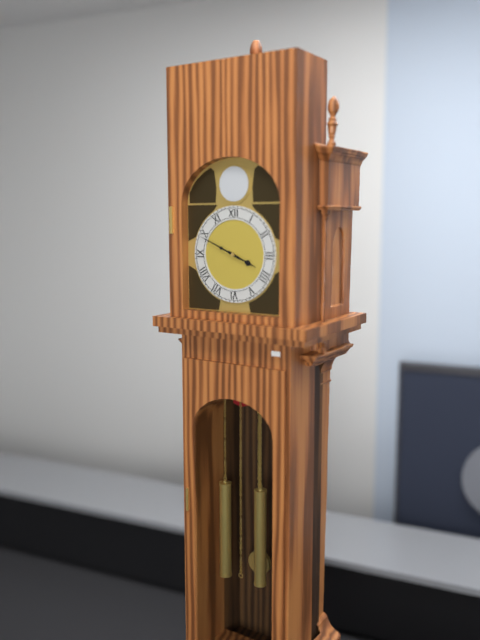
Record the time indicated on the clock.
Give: 3:49
